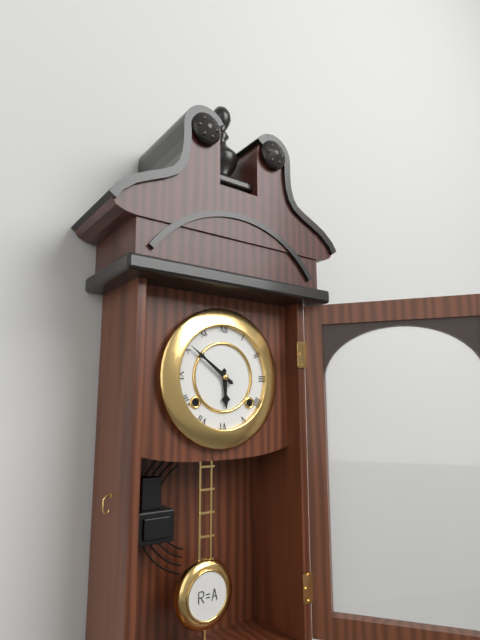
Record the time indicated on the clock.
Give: 5:51
